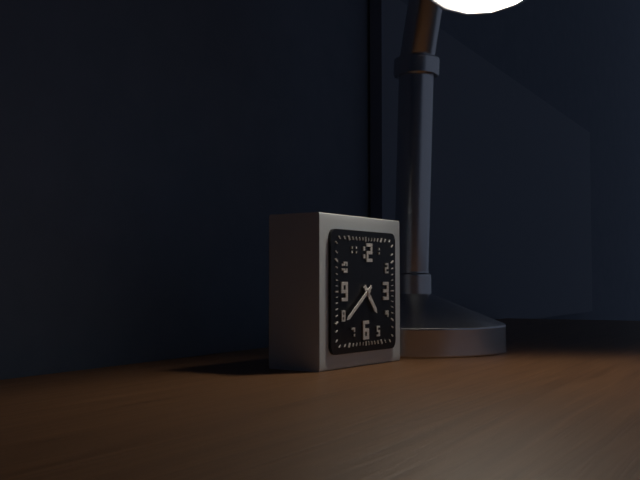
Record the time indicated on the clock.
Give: 4:39
